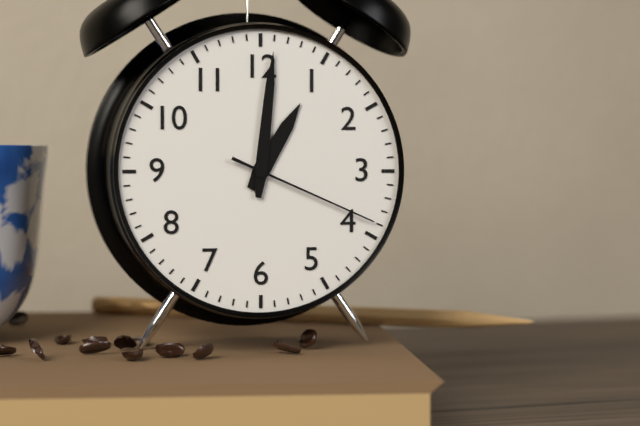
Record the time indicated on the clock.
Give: 1:01:19
